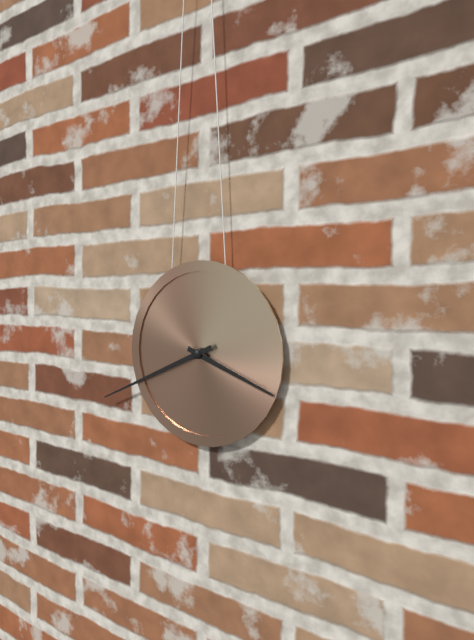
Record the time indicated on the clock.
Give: 3:41
